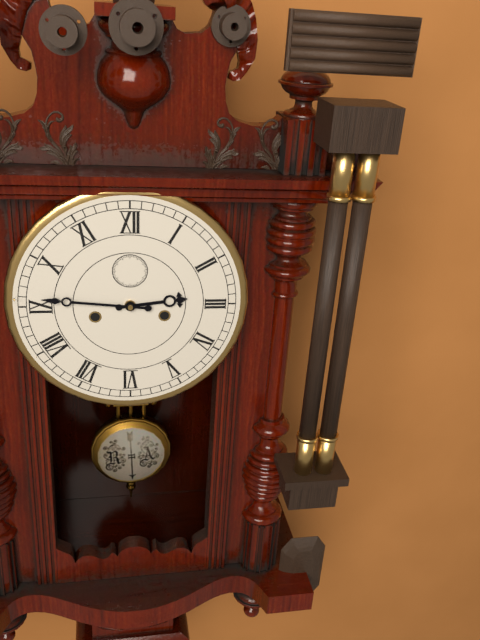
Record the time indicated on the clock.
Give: 2:46
